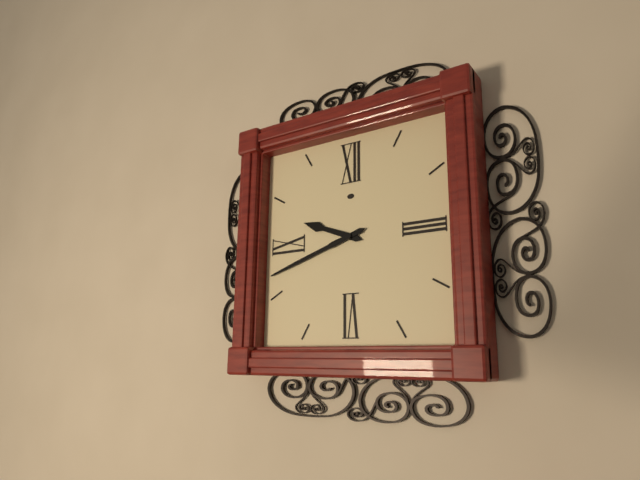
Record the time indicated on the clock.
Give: 9:42
